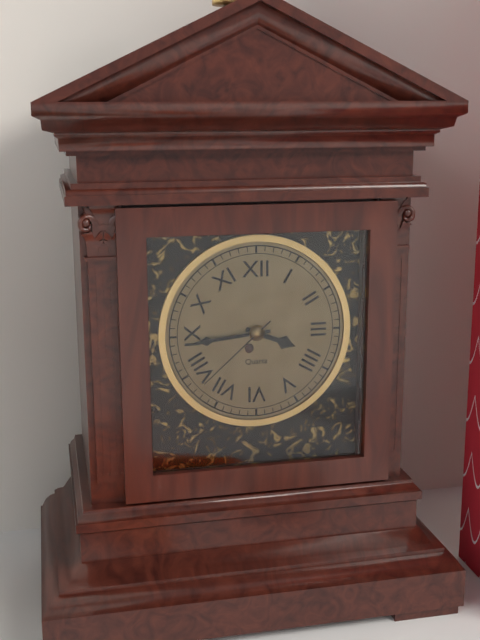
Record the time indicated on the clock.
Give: 3:44:38
